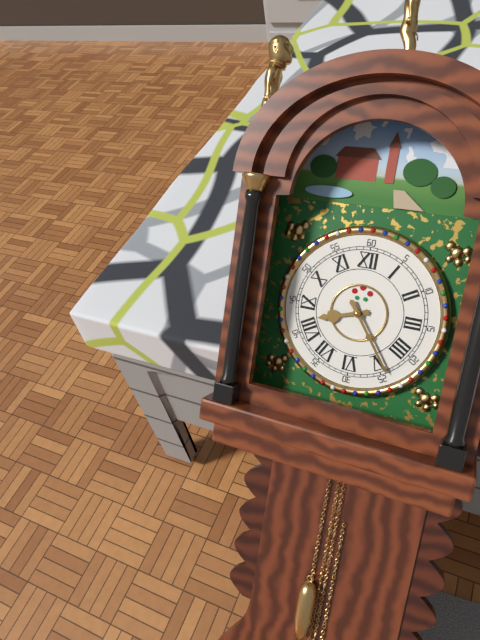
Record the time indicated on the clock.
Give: 8:24
